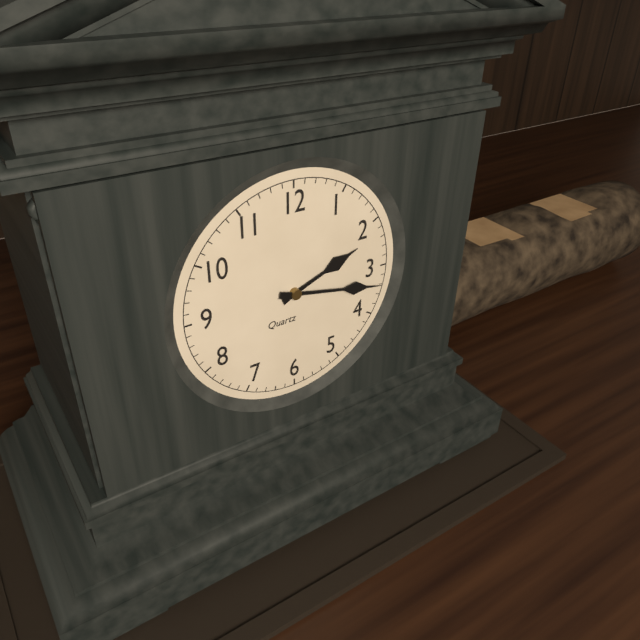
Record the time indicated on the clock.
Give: 2:17
